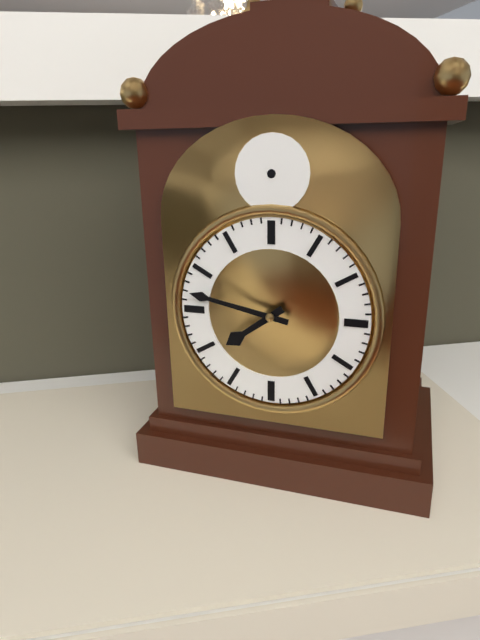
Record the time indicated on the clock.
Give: 7:47
